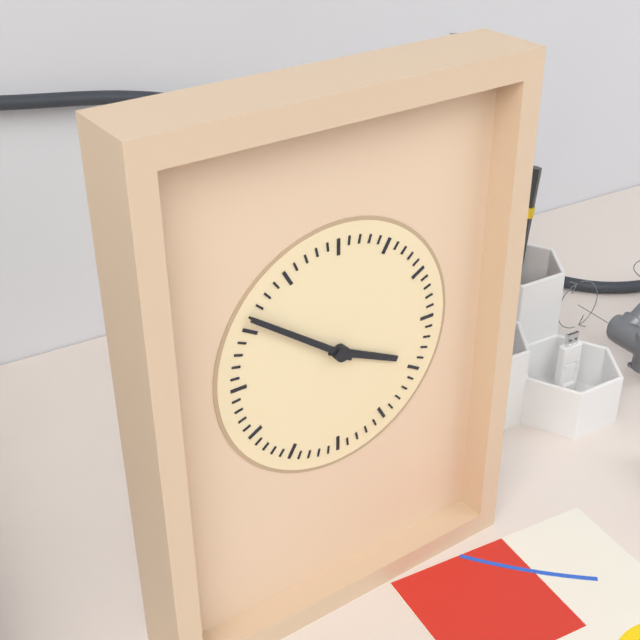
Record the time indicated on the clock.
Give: 3:51
